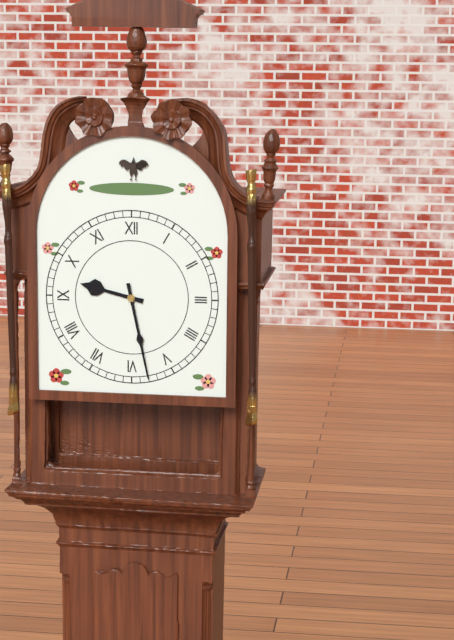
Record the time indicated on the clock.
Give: 9:28
